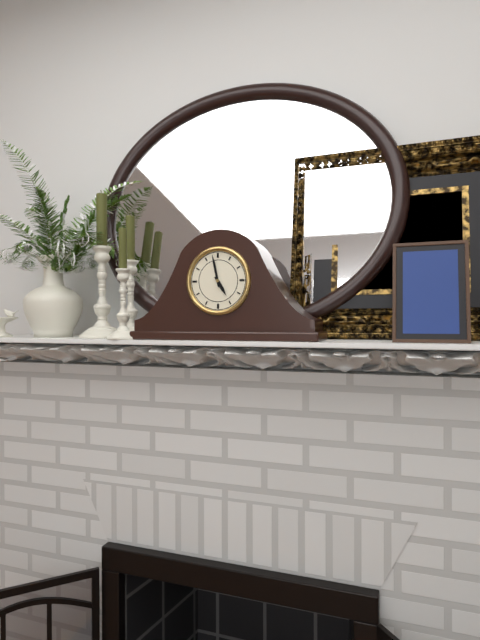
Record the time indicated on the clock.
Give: 4:58
